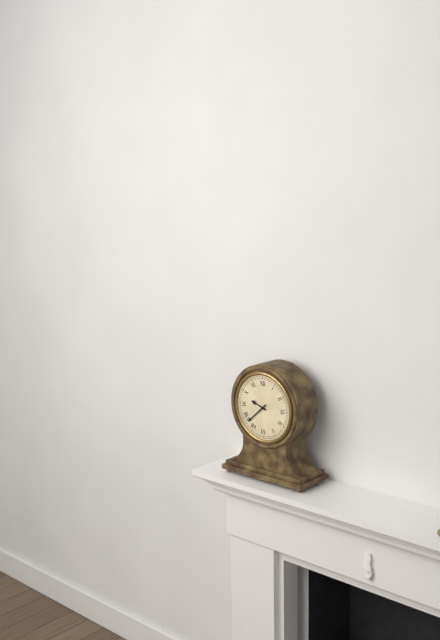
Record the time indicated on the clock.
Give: 9:38
